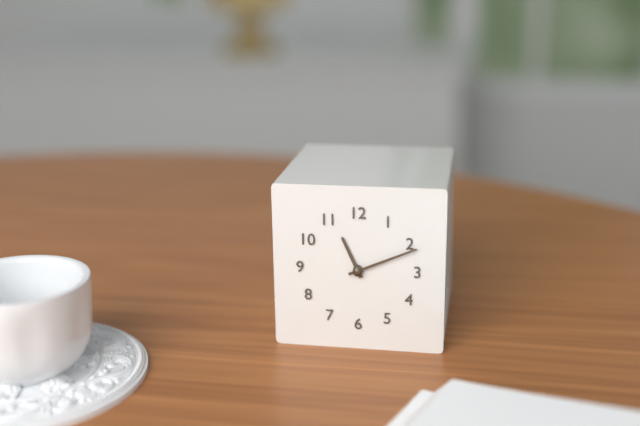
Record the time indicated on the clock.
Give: 11:11
